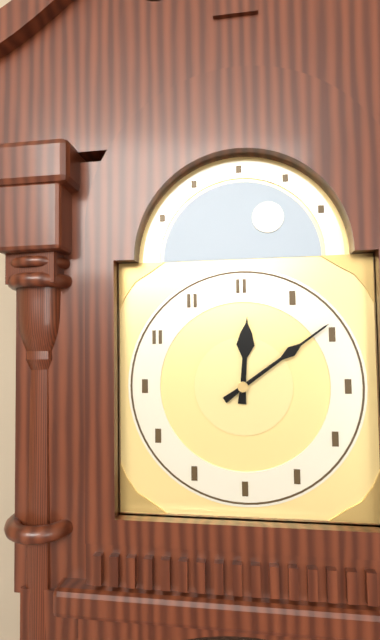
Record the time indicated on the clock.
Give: 12:09
